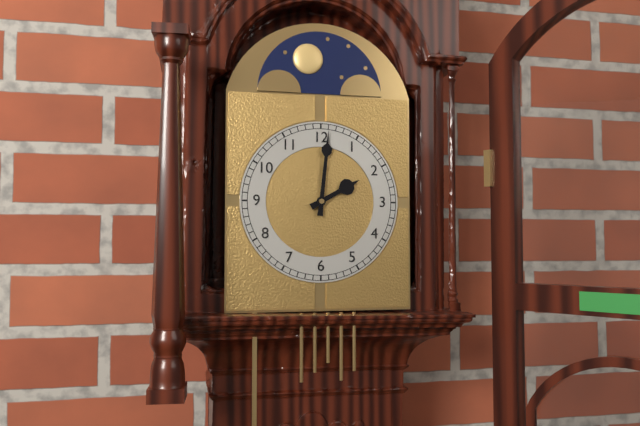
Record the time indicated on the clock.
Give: 2:01
